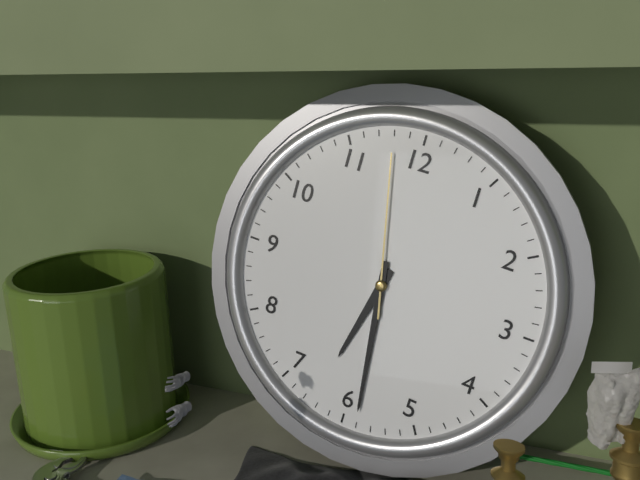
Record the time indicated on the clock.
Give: 6:29:58
